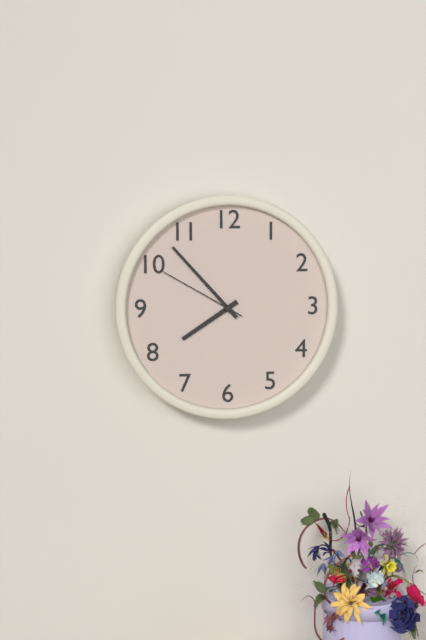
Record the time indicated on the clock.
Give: 7:53:50
